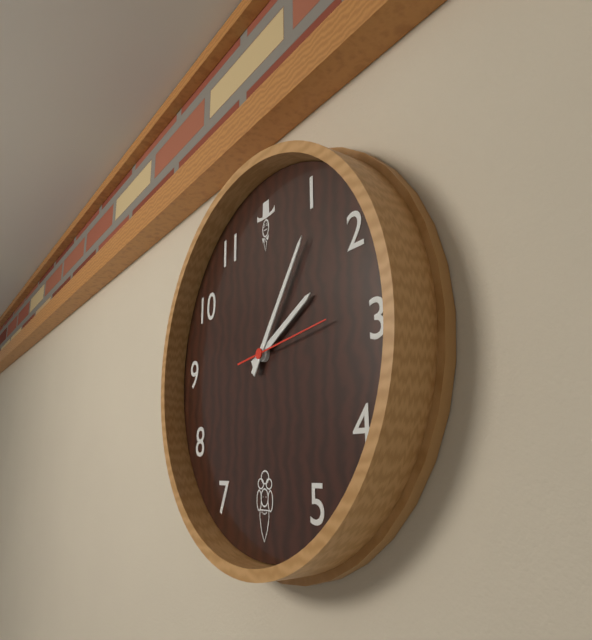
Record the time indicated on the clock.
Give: 2:06:14
